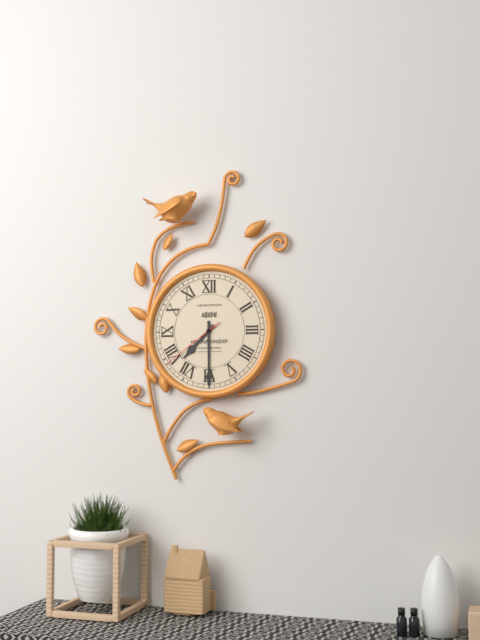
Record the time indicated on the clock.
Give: 7:30:39
